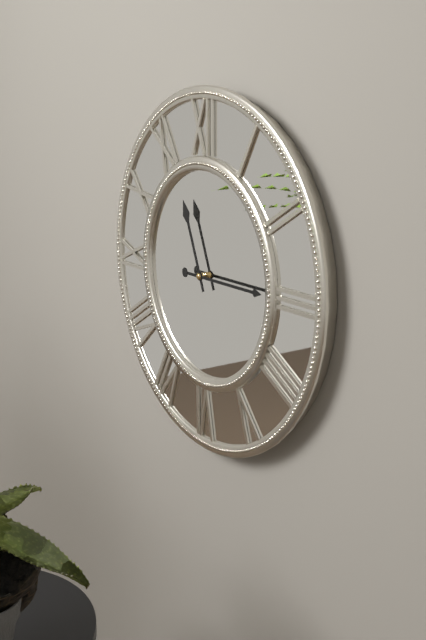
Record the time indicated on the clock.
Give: 11:15
